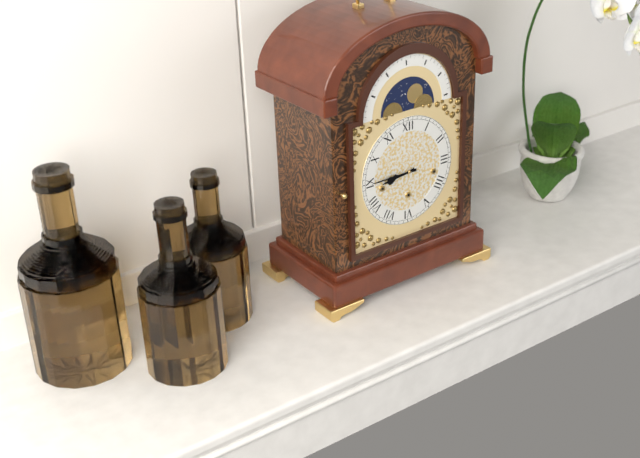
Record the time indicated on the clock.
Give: 8:45
